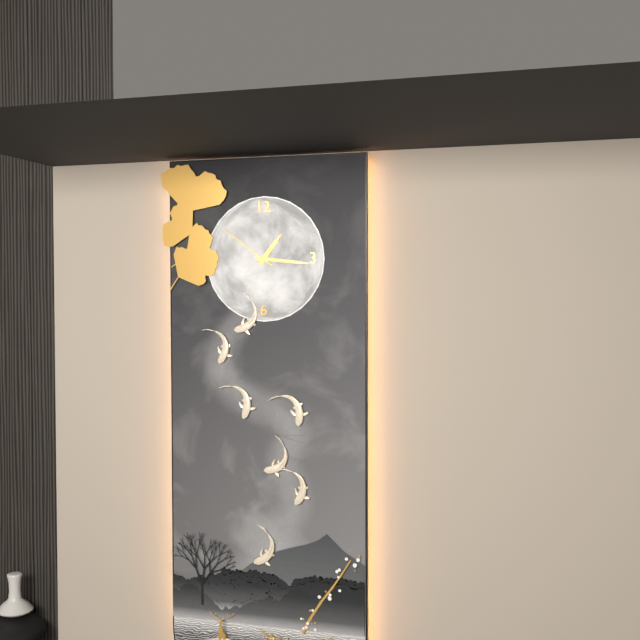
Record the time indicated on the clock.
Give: 1:16:51
